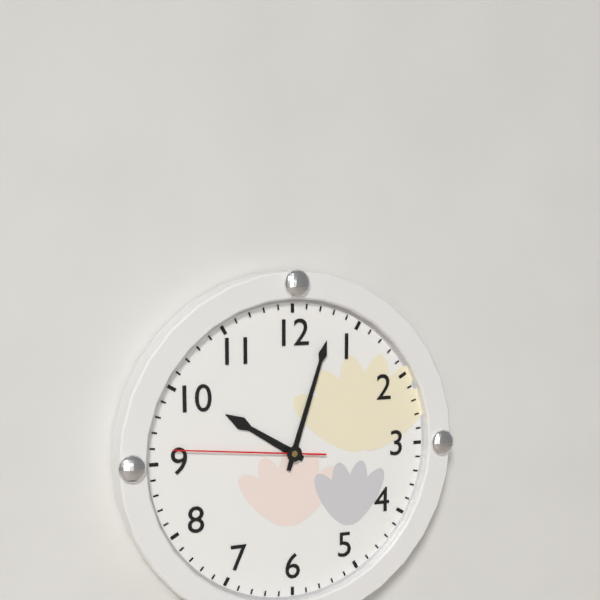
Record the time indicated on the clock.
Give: 10:03:46
